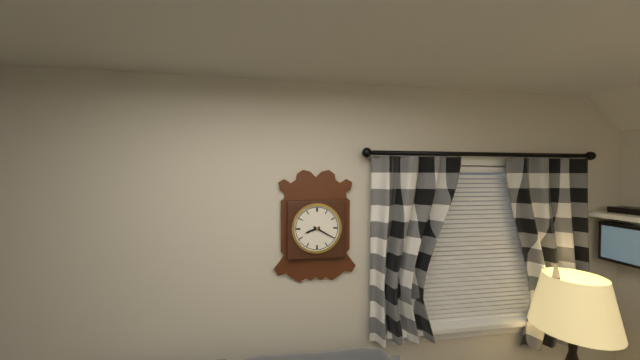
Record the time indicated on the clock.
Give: 8:20
